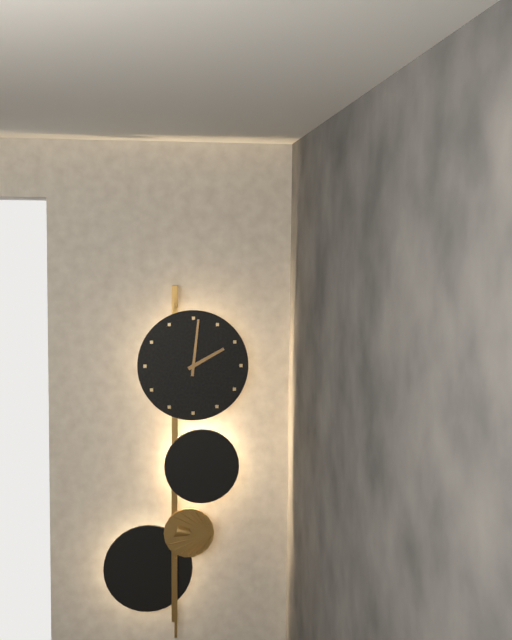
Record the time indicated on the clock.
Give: 2:01
